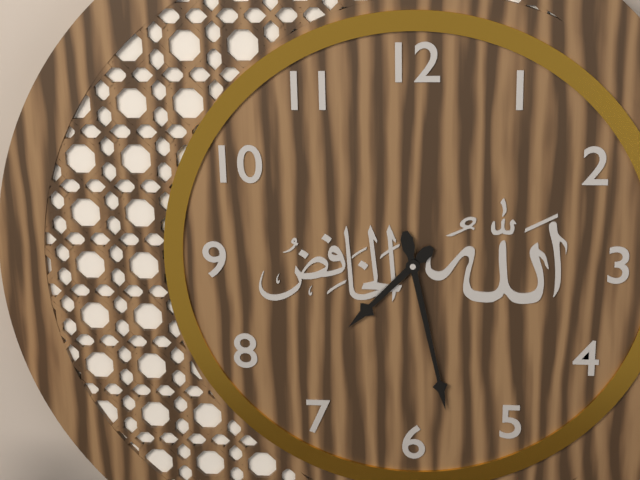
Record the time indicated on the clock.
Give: 7:28
